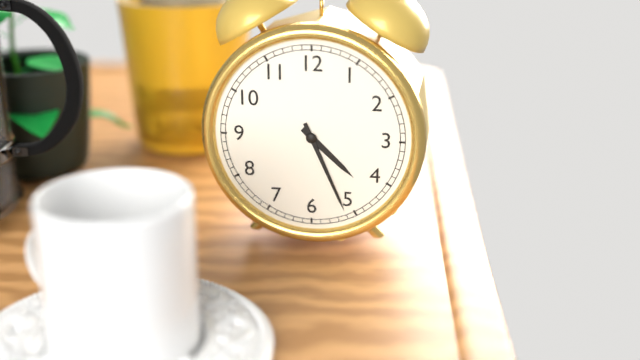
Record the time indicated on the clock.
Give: 4:26
